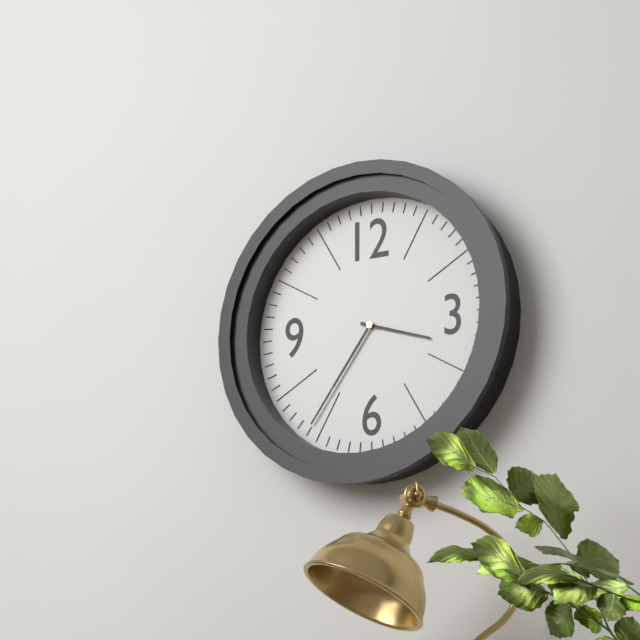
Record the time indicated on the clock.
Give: 3:36
